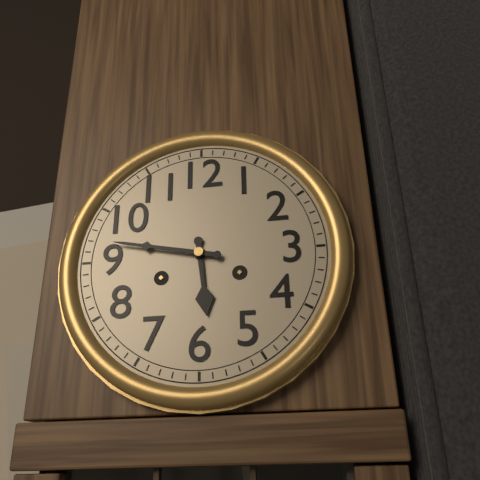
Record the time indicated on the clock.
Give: 5:47
